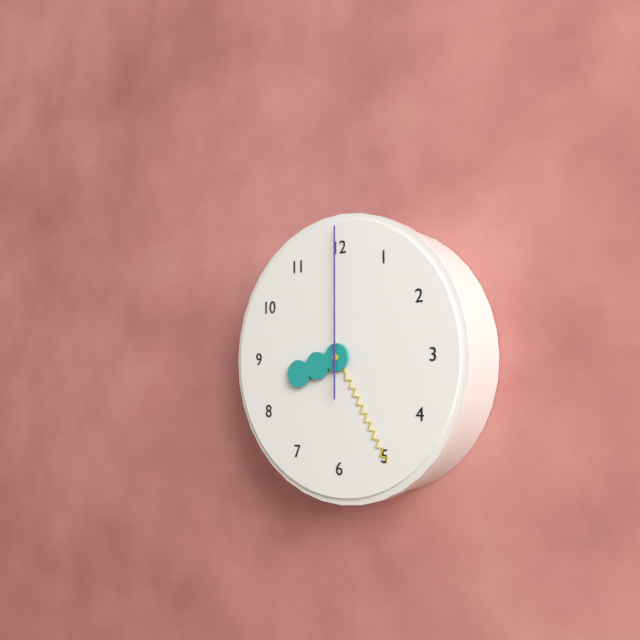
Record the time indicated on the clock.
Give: 8:25:00
